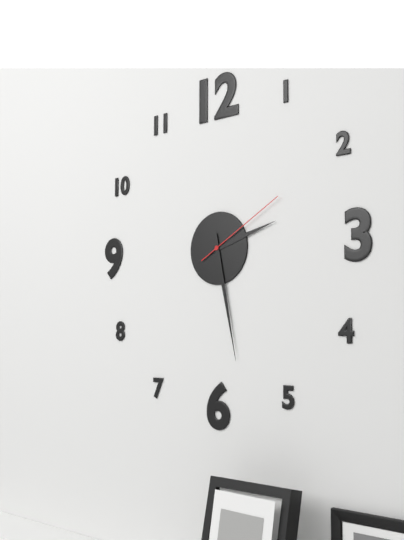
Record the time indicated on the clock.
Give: 2:28:10
